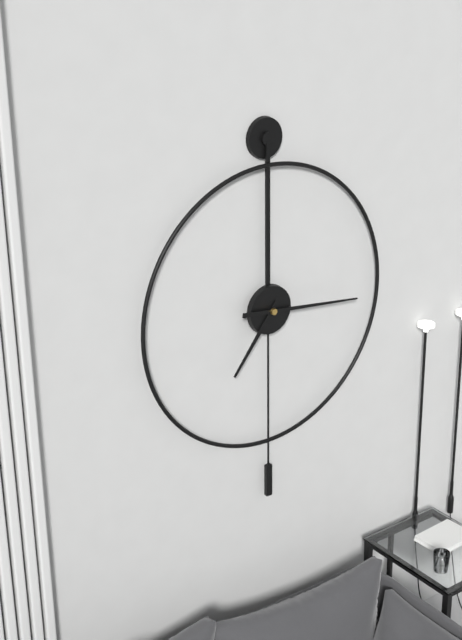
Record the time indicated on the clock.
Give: 7:16
